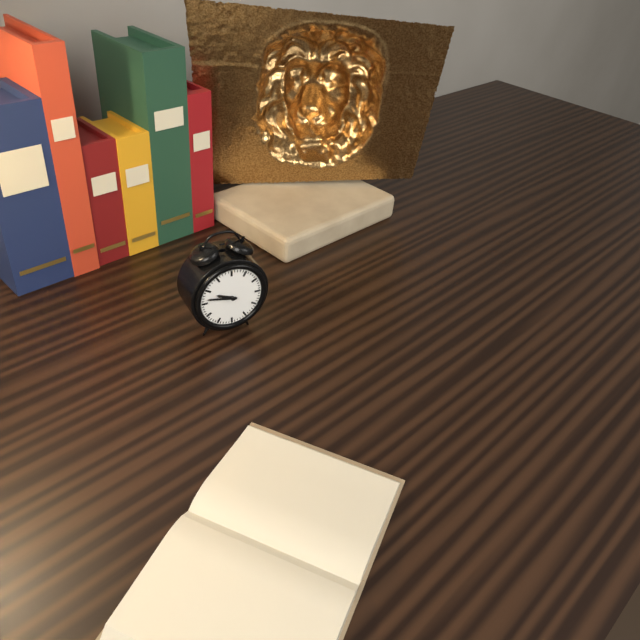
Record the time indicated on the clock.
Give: 9:47
